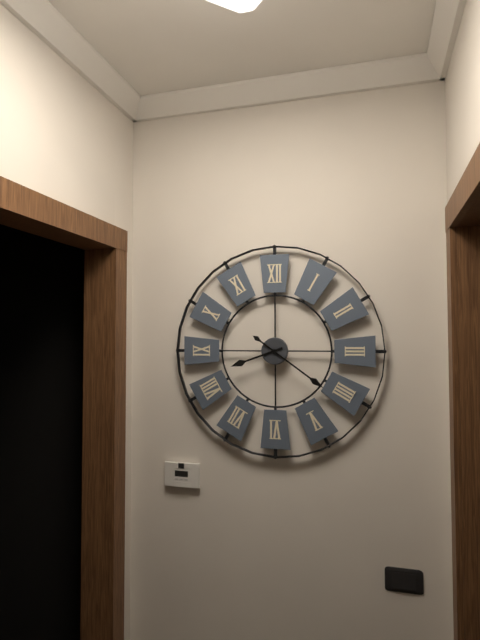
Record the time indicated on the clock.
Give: 8:21
